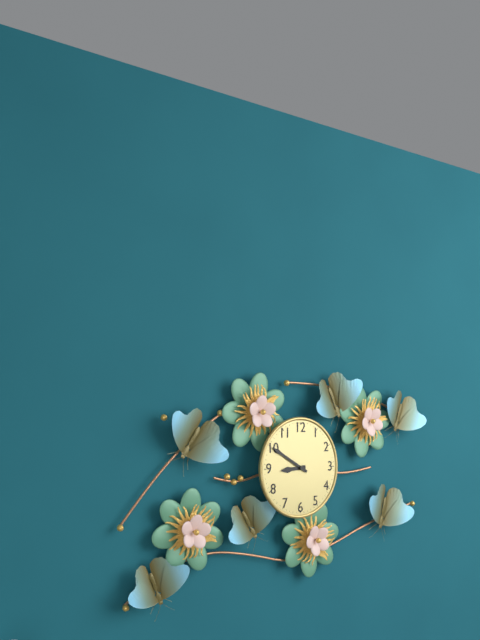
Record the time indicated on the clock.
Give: 8:50
